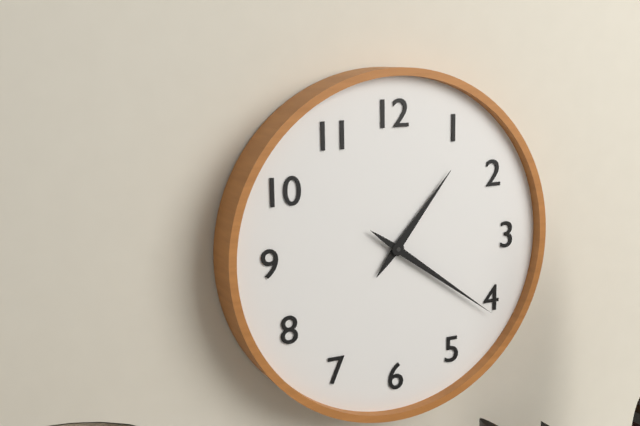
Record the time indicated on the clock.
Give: 1:21
